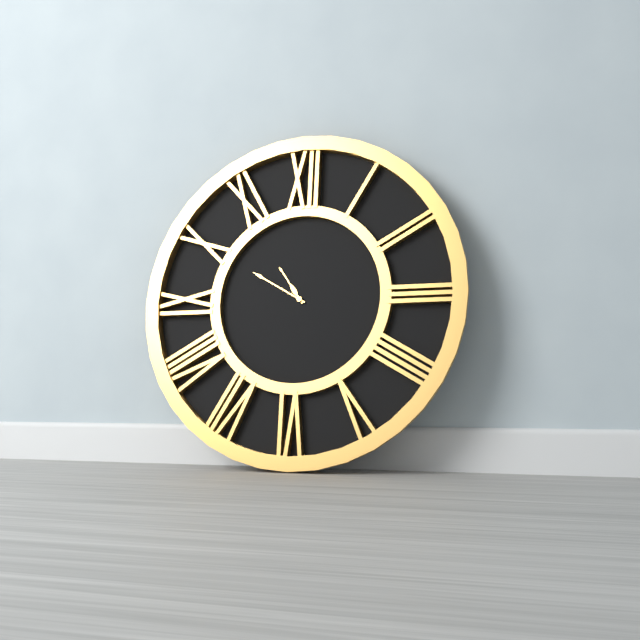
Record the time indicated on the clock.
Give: 10:50
